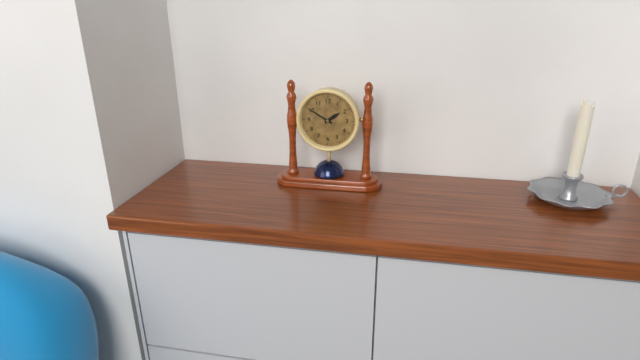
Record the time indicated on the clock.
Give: 1:50
